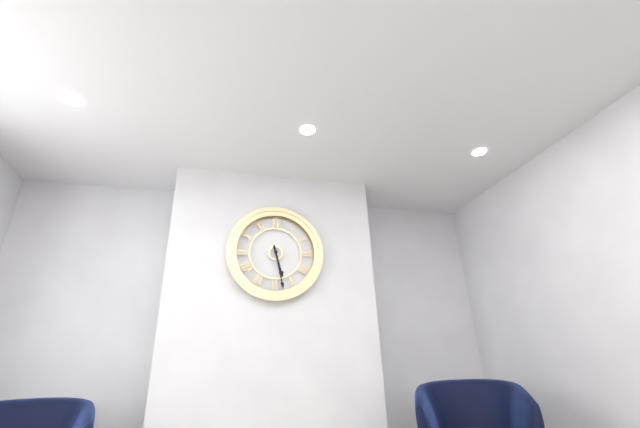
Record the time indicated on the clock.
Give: 5:28
